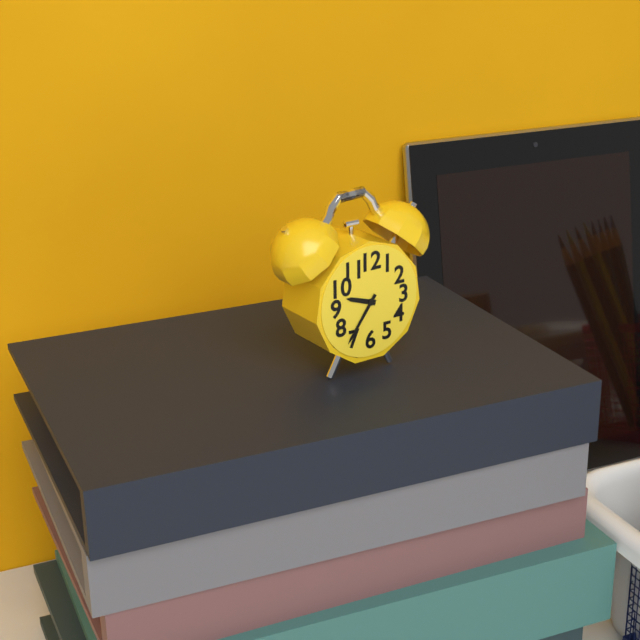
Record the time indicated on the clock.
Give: 9:36
